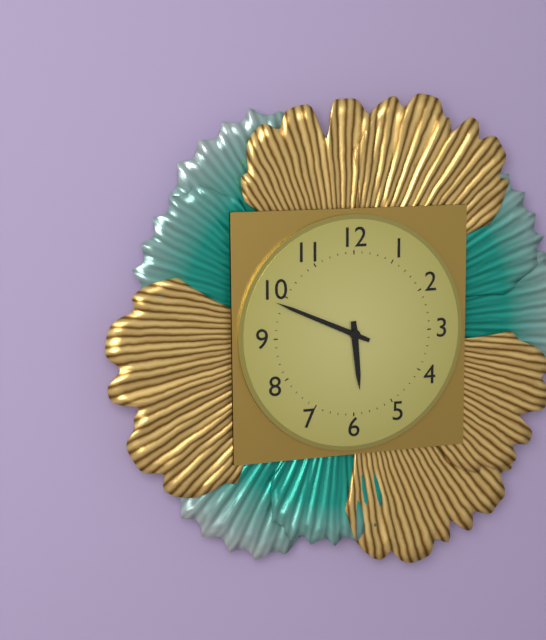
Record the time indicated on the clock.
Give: 5:49
